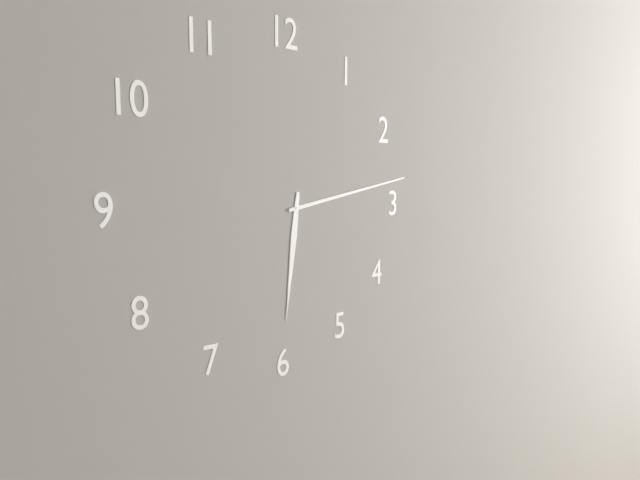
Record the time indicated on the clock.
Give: 6:13
